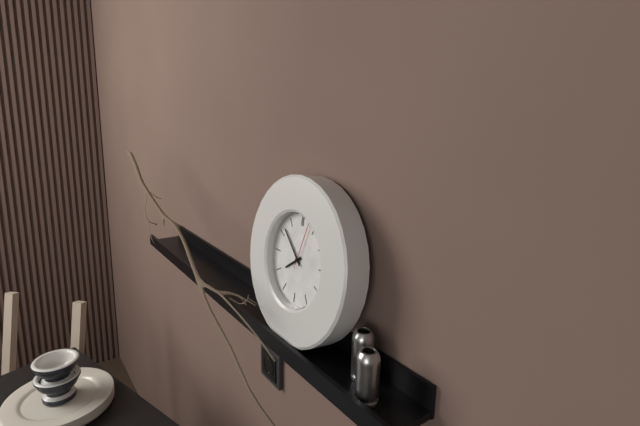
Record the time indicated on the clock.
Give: 7:52
